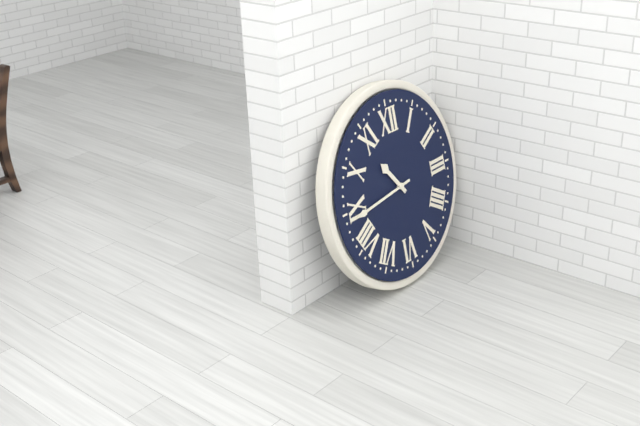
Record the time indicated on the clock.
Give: 10:44
